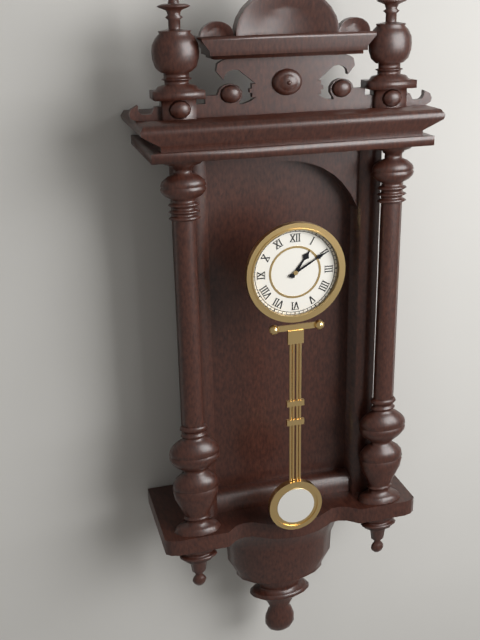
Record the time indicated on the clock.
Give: 1:10
